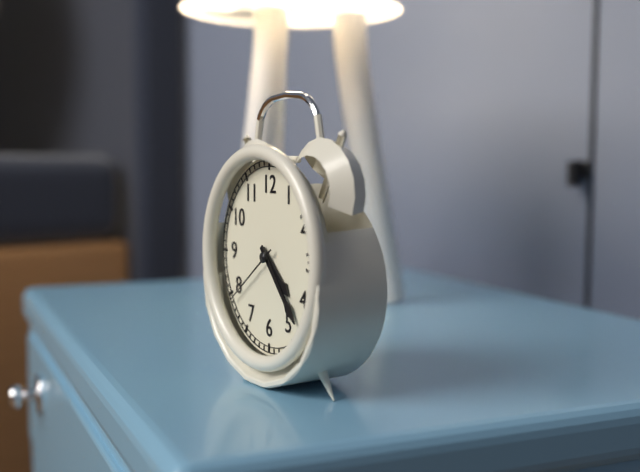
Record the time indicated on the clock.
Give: 4:23:39
